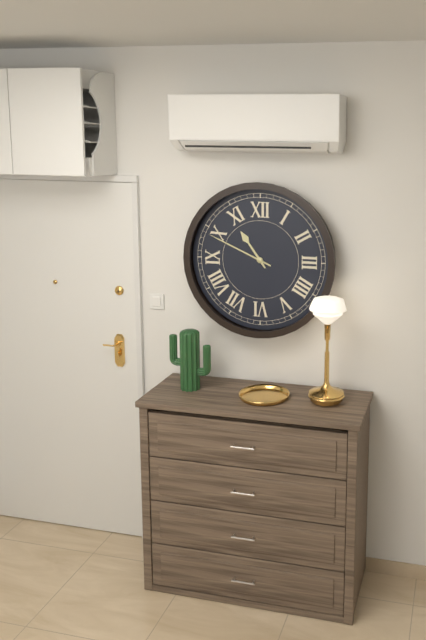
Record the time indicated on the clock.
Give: 10:49
